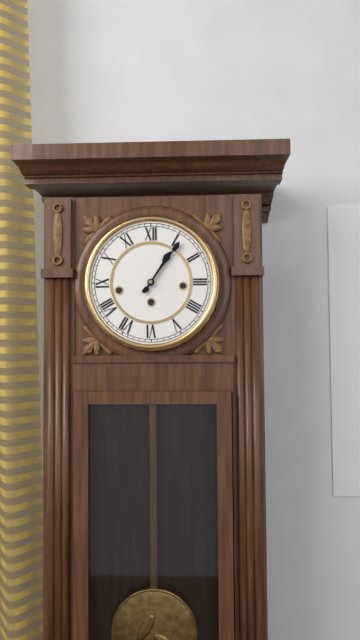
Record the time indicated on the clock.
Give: 1:06
